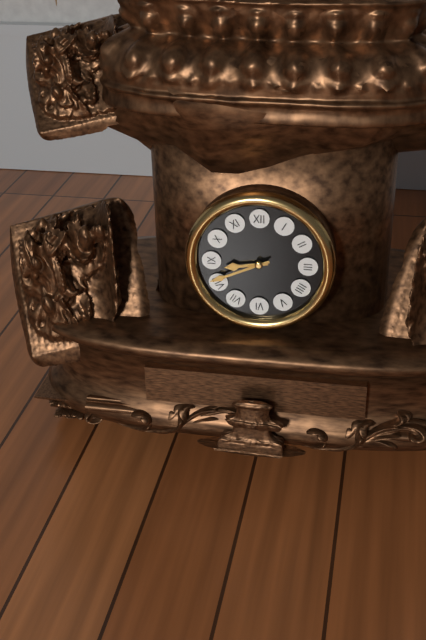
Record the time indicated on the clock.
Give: 8:41
